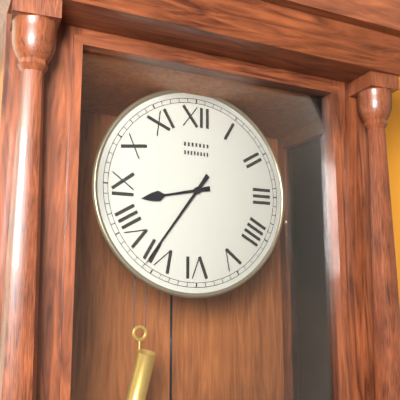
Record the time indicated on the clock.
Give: 8:36
